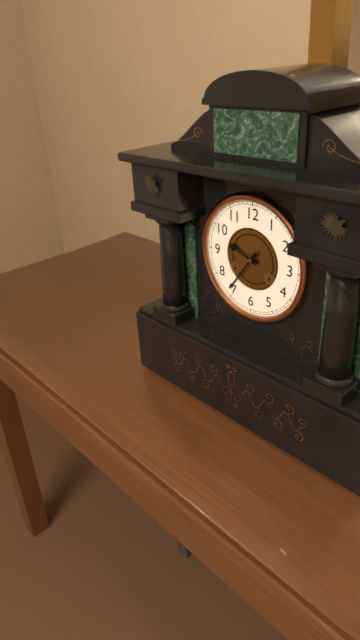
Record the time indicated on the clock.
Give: 9:36
